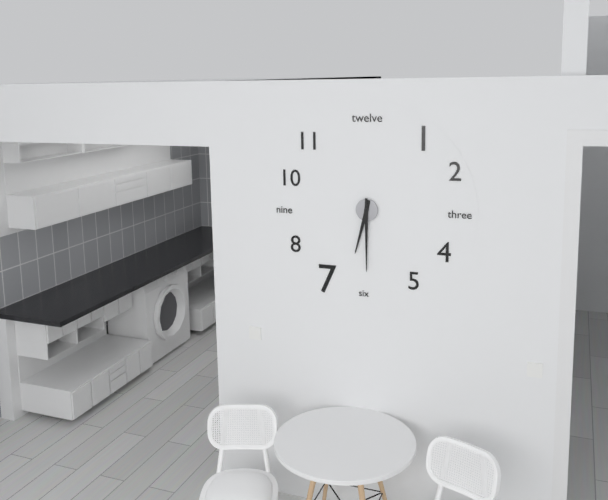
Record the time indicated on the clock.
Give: 6:30
